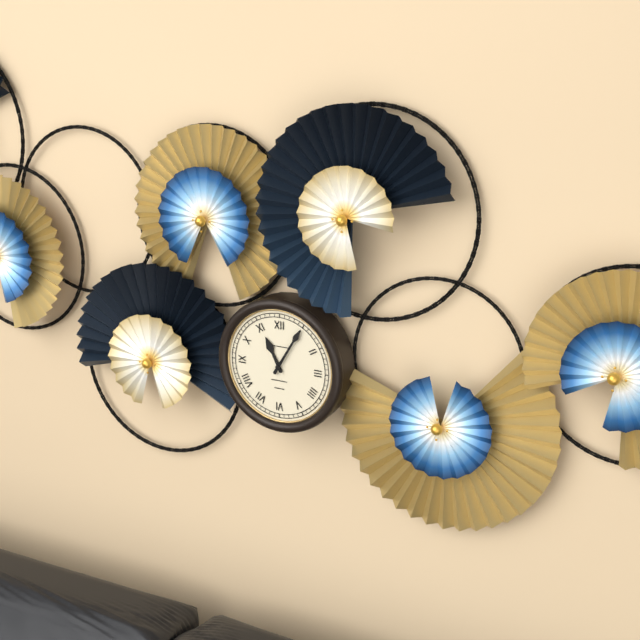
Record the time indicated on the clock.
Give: 11:05
